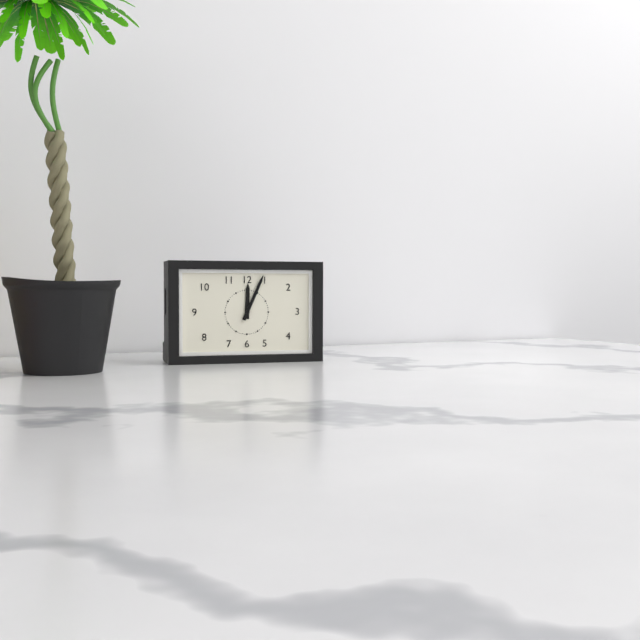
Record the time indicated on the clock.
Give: 12:04
